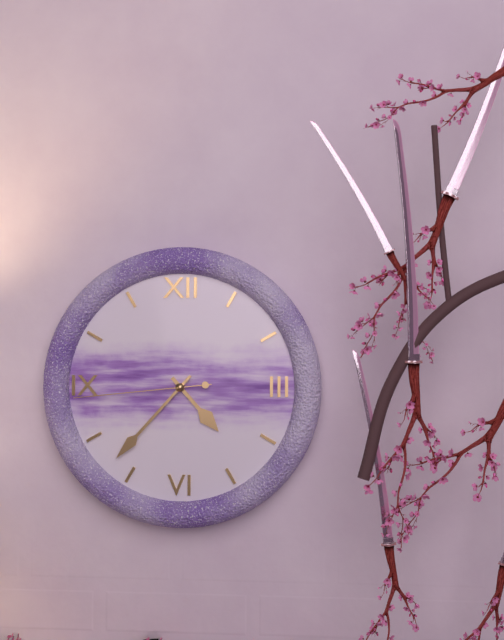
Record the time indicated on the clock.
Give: 4:37:44
